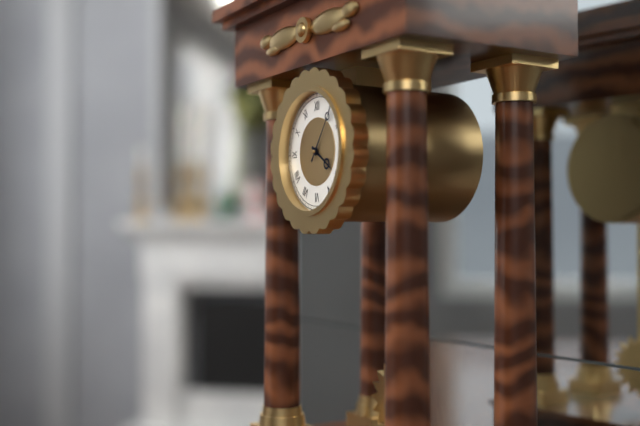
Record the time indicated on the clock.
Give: 4:06
